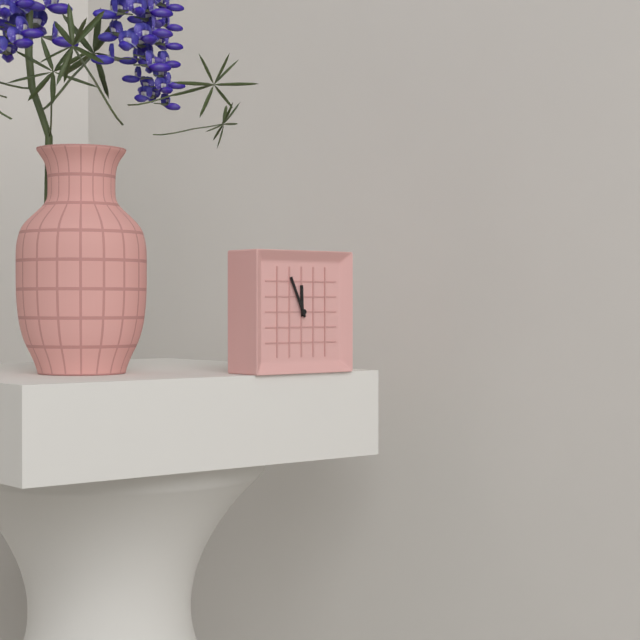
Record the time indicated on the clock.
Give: 11:56
